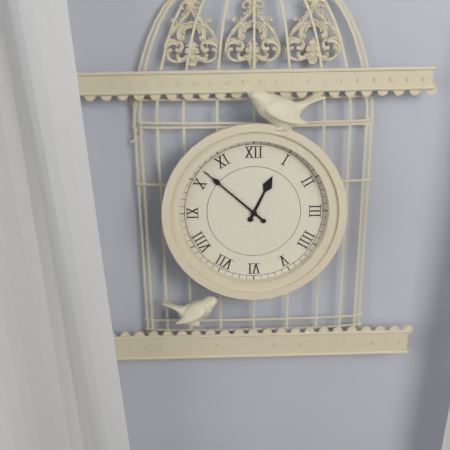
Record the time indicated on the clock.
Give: 12:52
